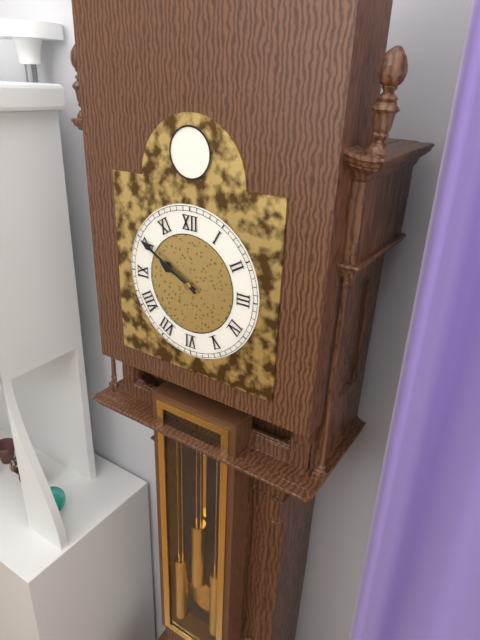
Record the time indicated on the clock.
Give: 9:50
